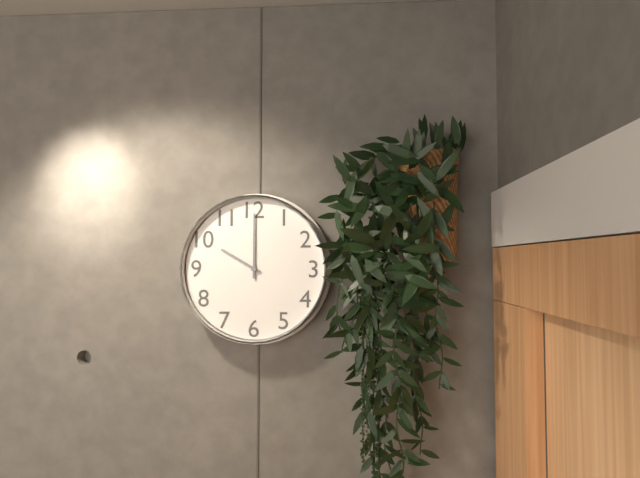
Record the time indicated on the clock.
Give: 10:00
